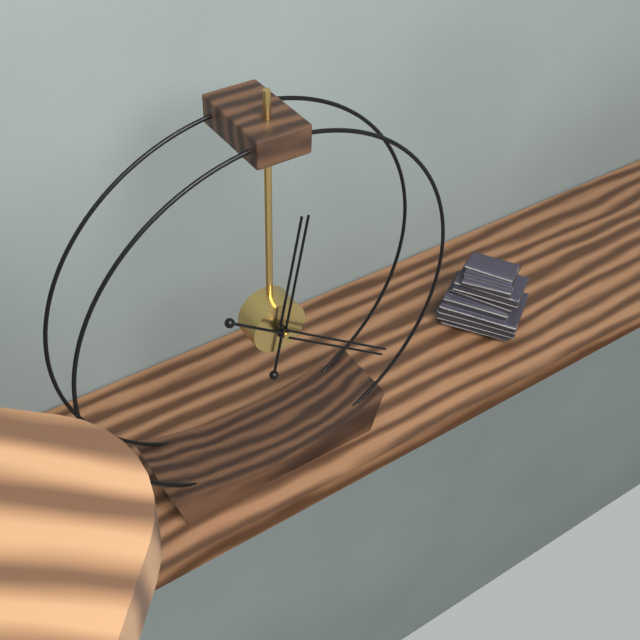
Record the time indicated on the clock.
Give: 12:21
